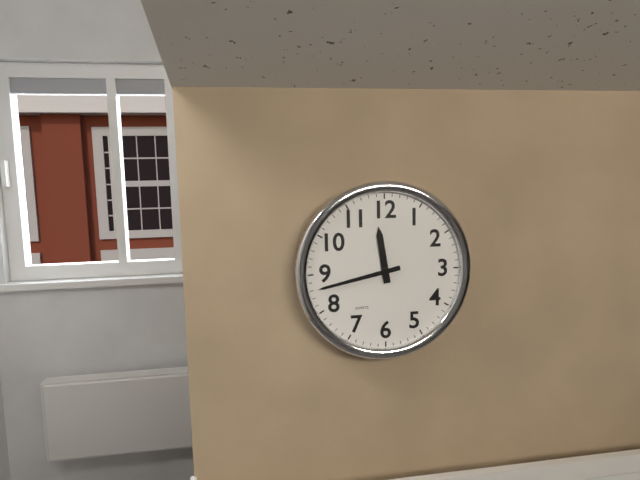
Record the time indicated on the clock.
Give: 11:43
